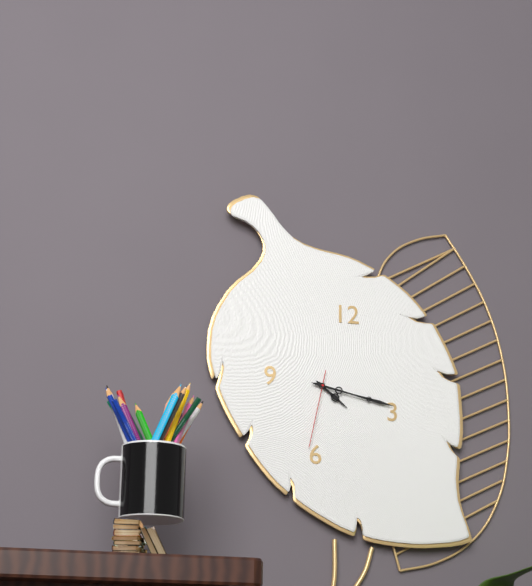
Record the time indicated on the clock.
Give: 4:17:32
